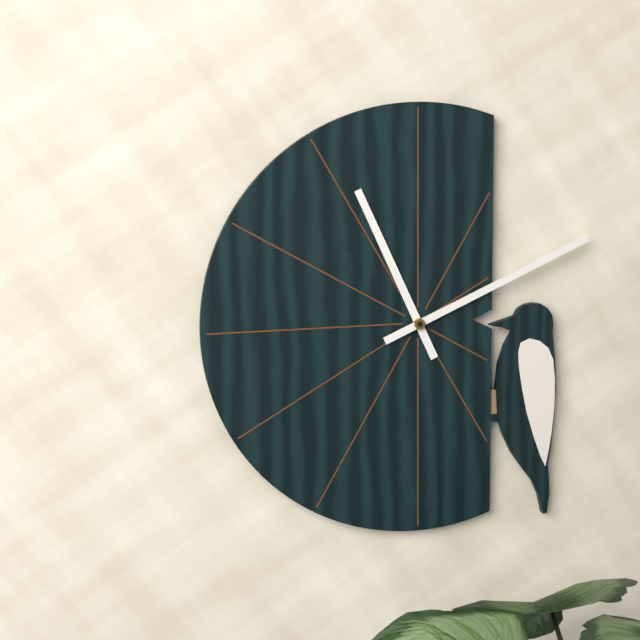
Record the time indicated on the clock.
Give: 11:11
